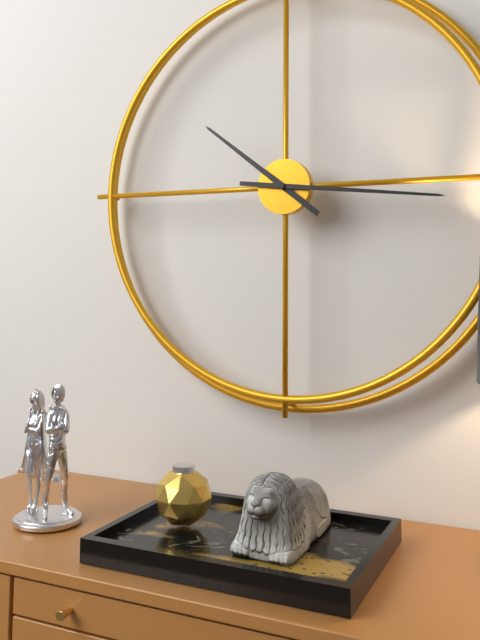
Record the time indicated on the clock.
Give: 10:16
